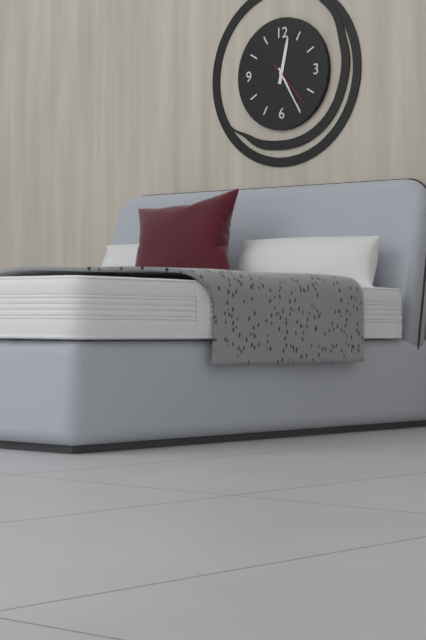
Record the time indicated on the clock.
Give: 12:25
